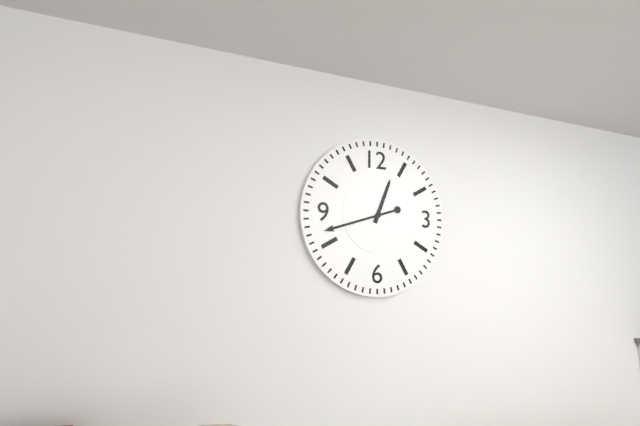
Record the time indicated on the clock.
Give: 12:42
